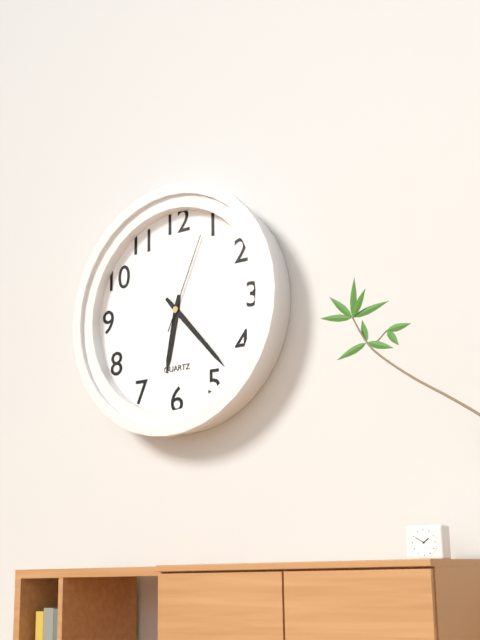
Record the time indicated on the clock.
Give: 6:23:04
